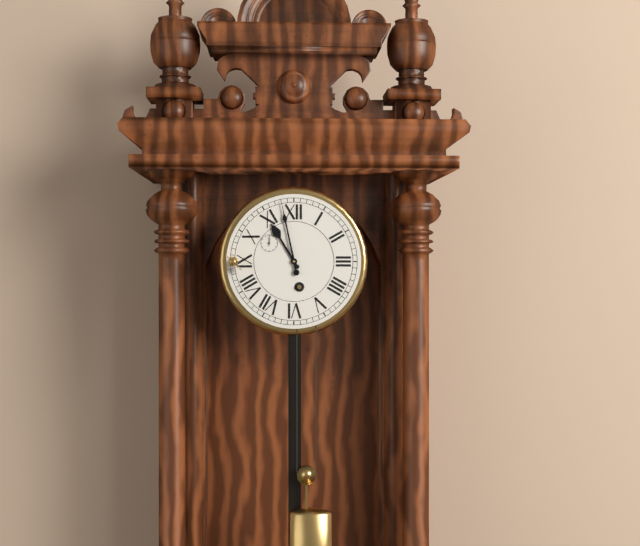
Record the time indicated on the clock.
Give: 10:58
